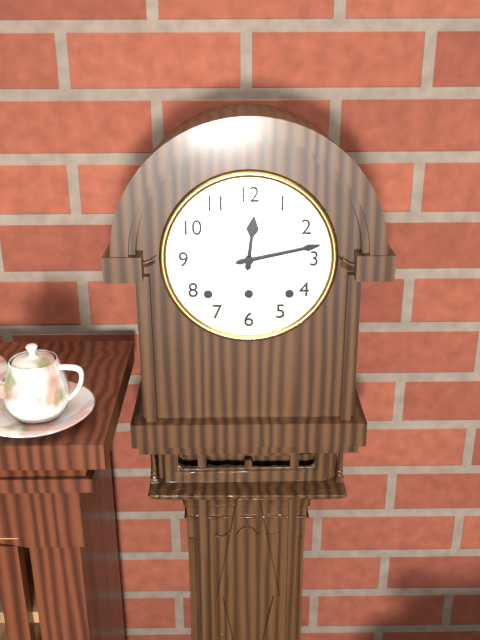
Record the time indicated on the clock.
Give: 12:13
